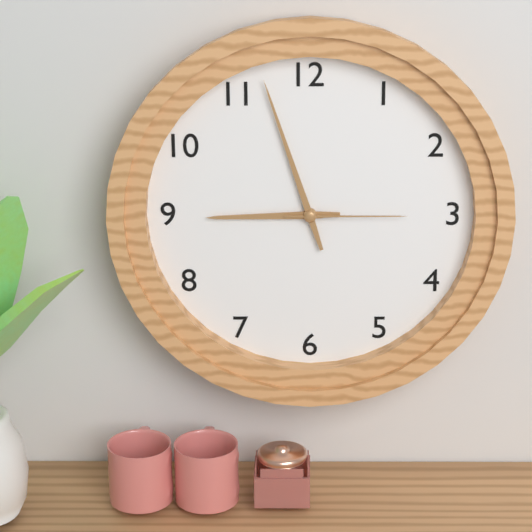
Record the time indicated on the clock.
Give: 8:57:15
